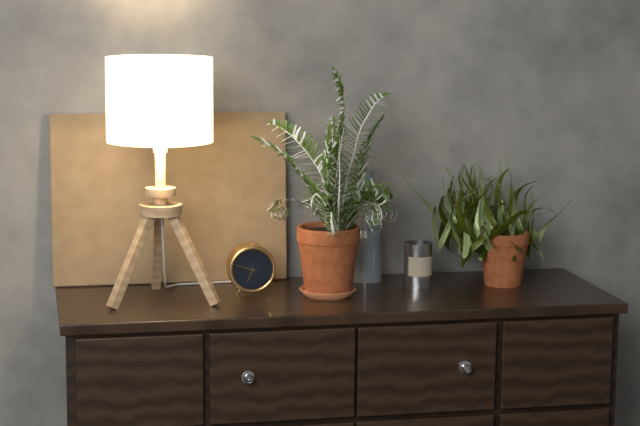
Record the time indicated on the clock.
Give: 6:48
